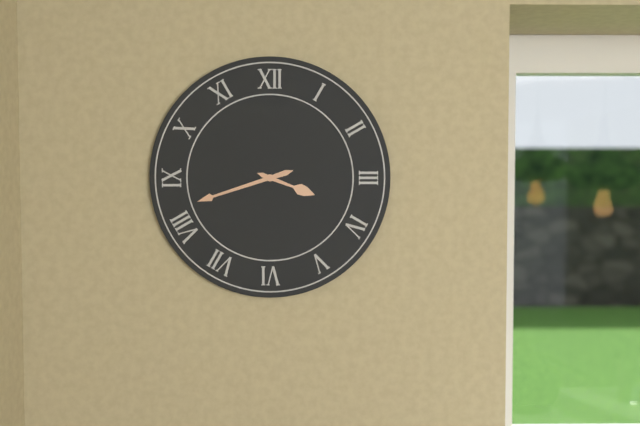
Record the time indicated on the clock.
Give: 3:42
